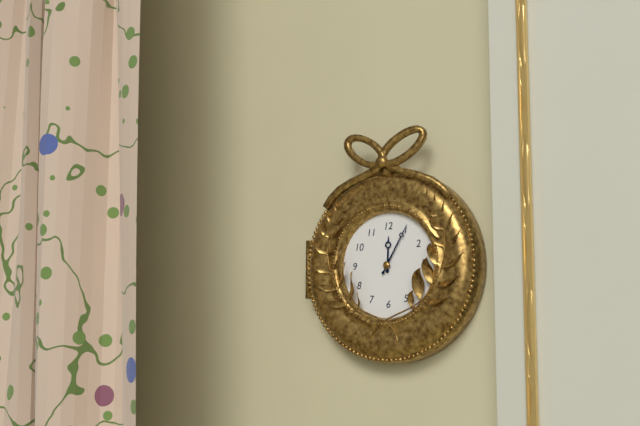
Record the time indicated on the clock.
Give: 12:05
